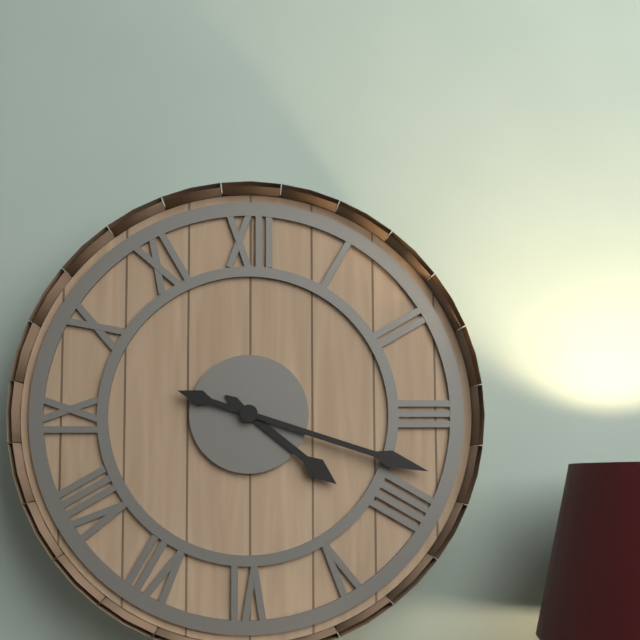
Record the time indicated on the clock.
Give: 4:18
